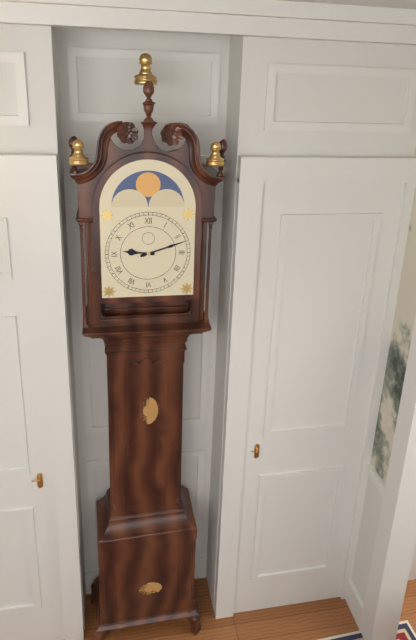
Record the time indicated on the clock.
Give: 9:12
